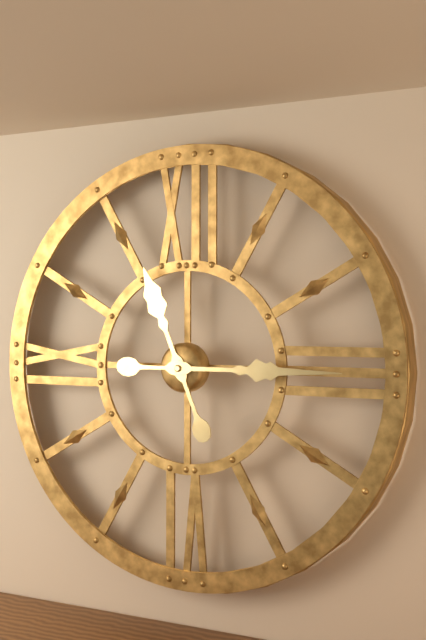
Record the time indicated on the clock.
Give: 11:15
